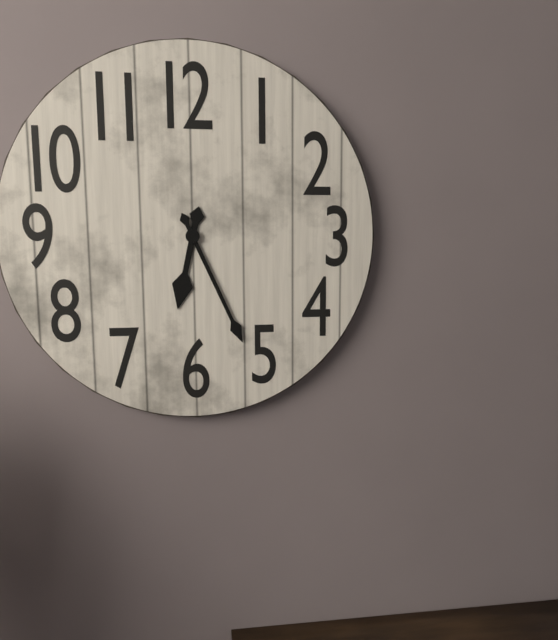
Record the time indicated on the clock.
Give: 6:26
